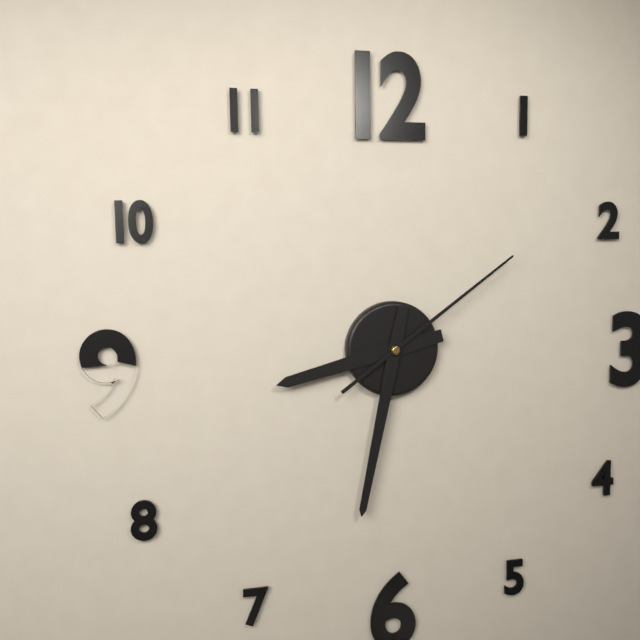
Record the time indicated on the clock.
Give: 8:32:09
